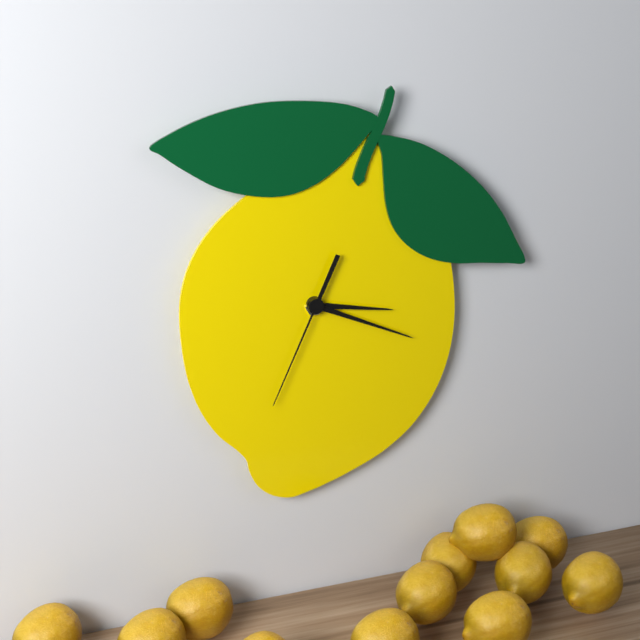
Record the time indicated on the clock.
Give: 3:19:34
